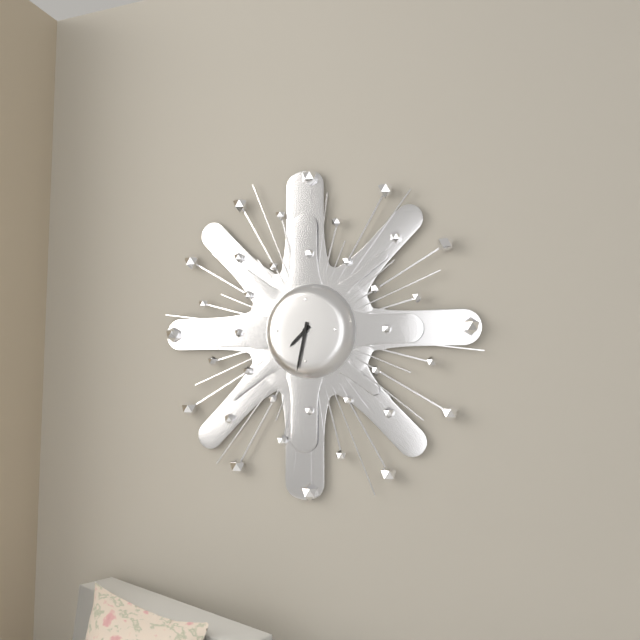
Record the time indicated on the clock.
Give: 7:32
